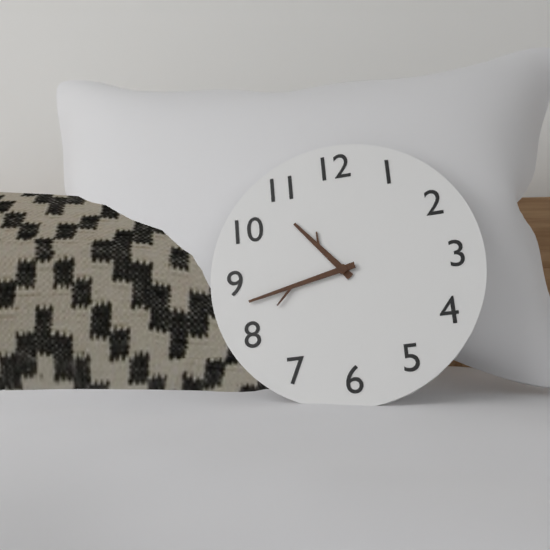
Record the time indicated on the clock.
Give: 10:43
